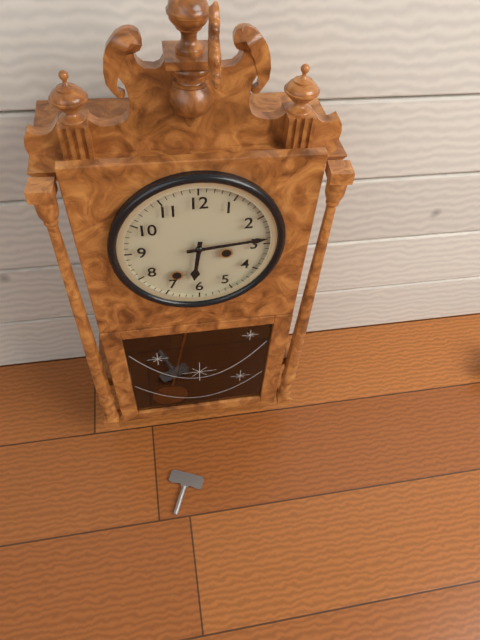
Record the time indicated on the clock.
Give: 6:14
